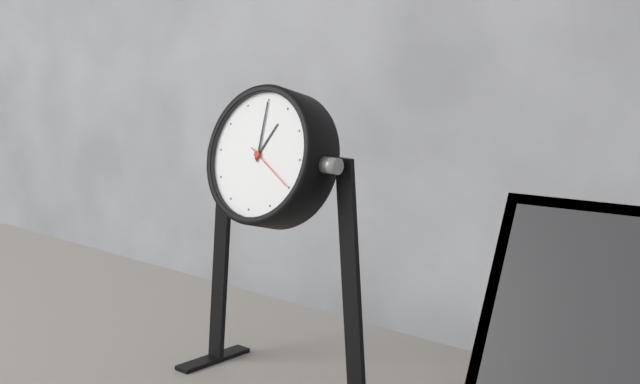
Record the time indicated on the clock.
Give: 1:00:20
